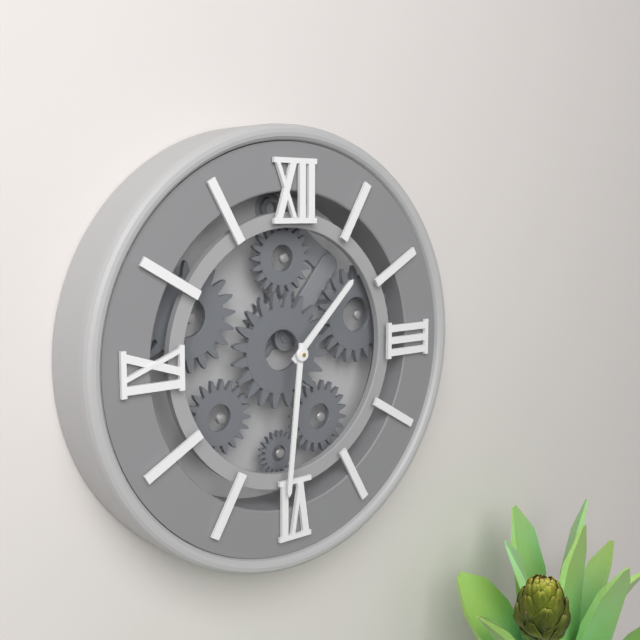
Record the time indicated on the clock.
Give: 1:31
